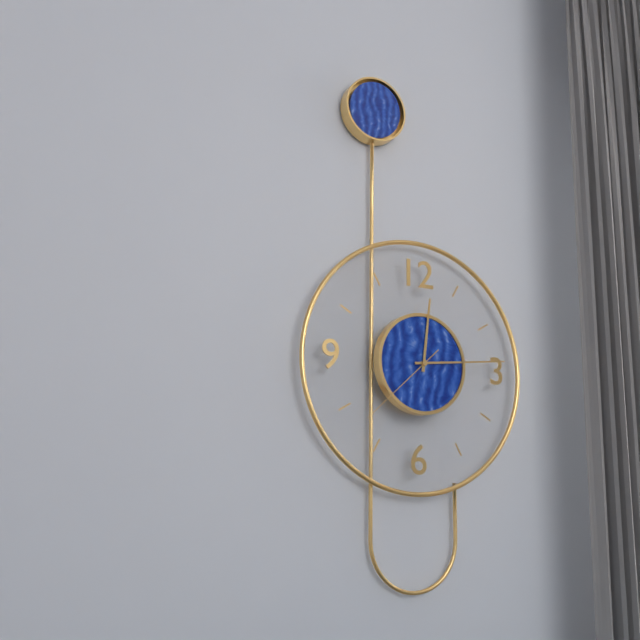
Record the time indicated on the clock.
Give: 12:14:38
